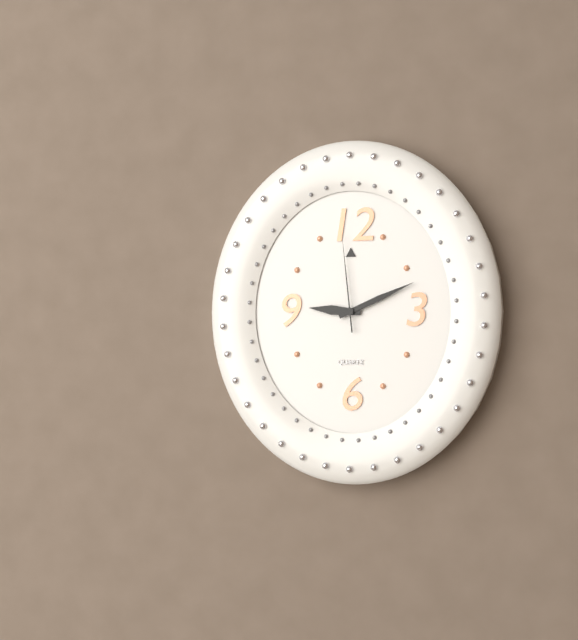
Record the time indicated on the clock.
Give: 9:11:59
